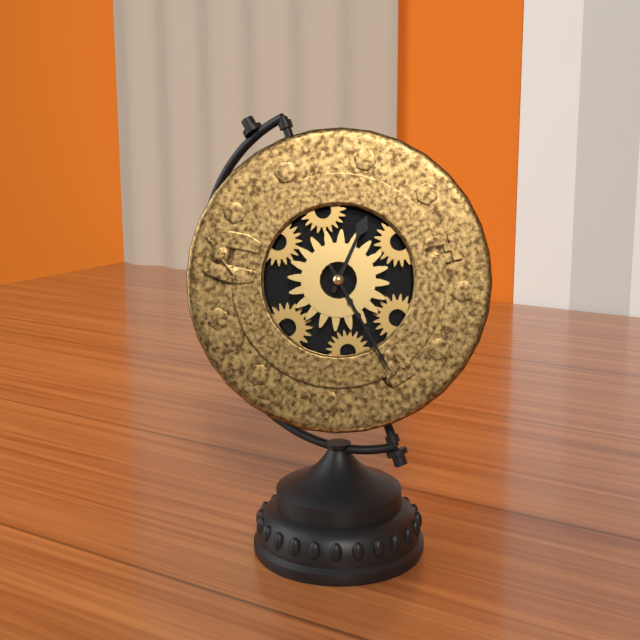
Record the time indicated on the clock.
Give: 12:23
